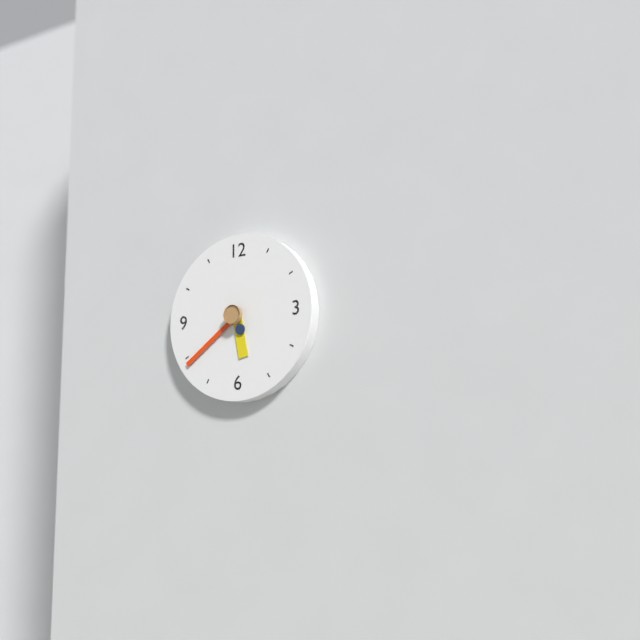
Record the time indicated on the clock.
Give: 5:39
